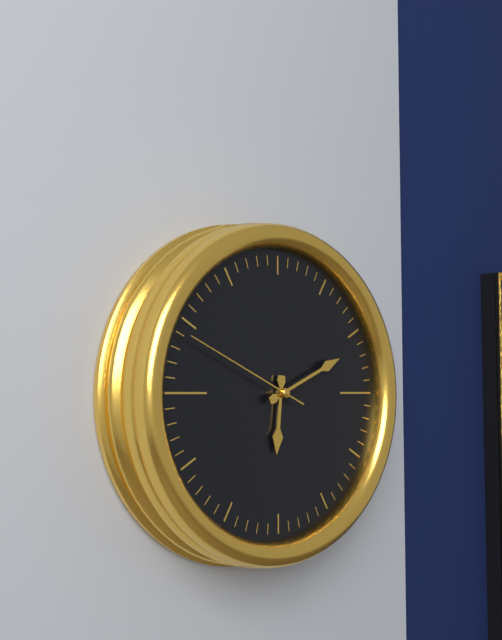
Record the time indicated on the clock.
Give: 6:11:49
